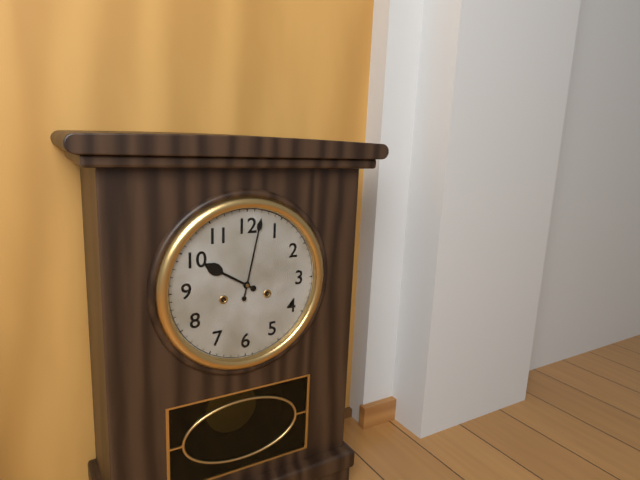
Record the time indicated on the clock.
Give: 10:02
